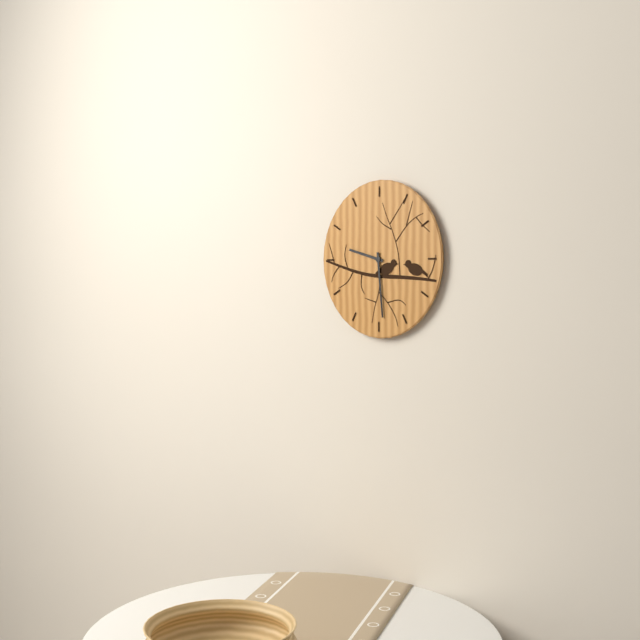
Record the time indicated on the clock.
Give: 9:29
